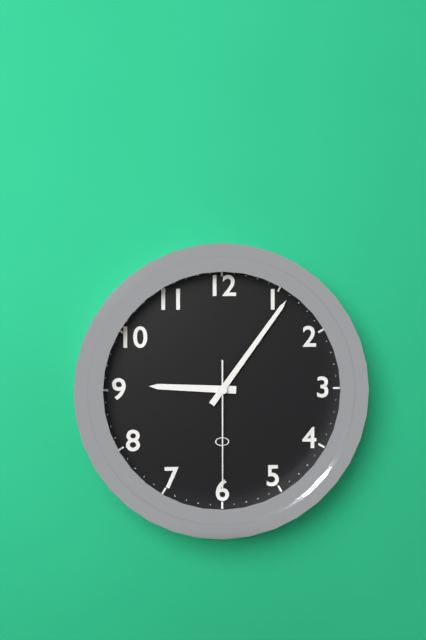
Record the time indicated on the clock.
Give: 9:06:30
